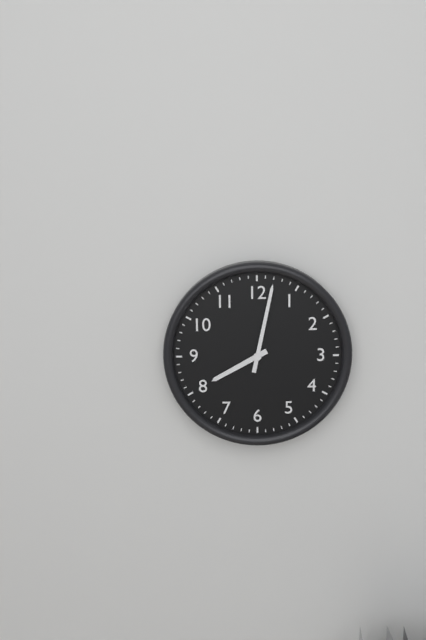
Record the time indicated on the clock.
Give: 8:02
